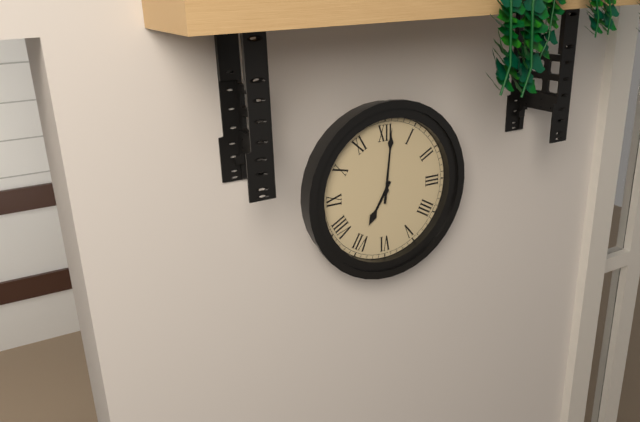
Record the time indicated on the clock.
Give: 7:01
